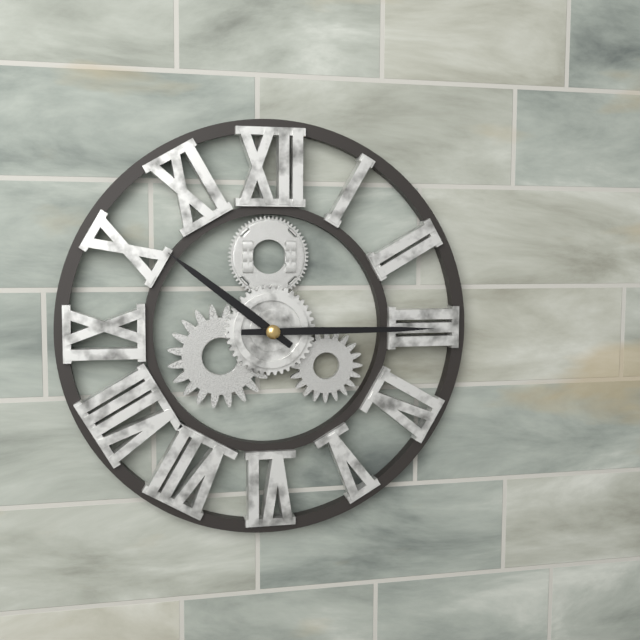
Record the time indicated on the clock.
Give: 10:15
